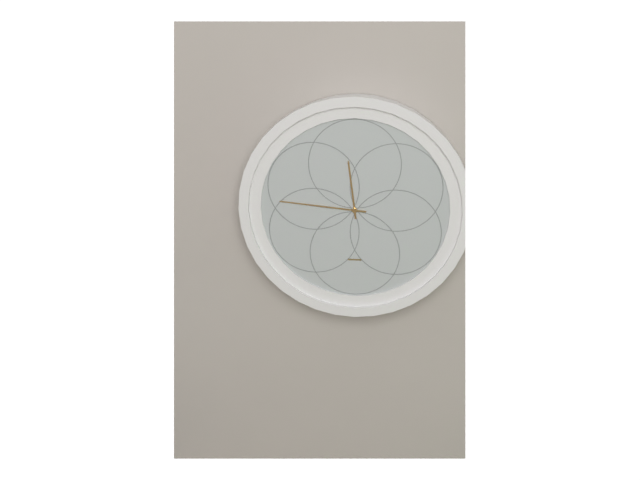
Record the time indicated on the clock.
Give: 11:46
